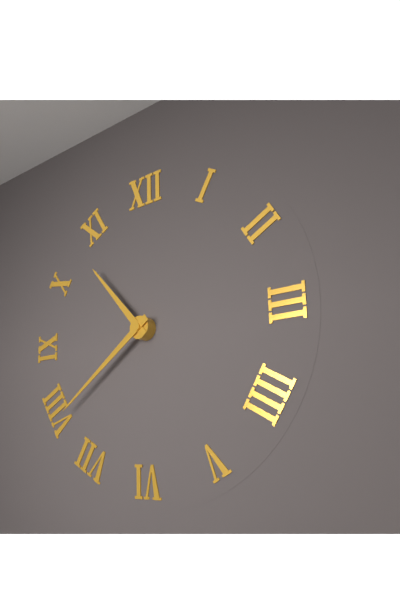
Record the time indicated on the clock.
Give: 10:39
